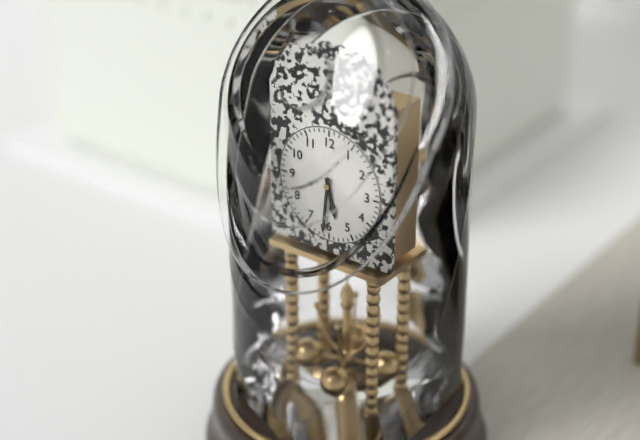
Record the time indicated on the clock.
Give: 5:31
